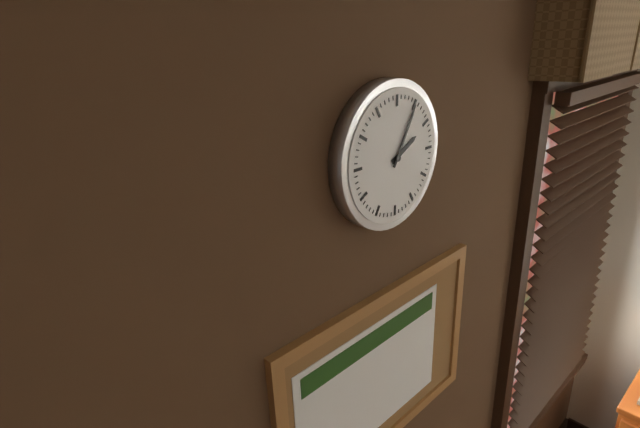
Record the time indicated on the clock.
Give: 2:05
